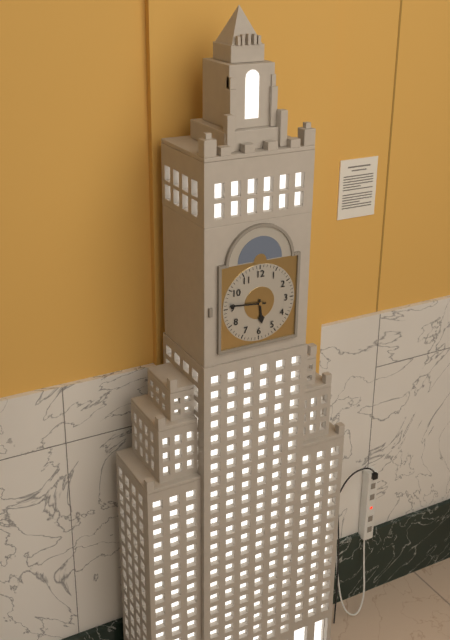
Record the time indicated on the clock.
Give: 5:46
